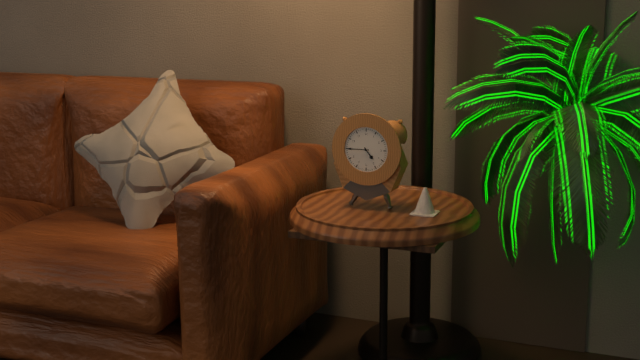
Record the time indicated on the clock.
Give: 4:45
